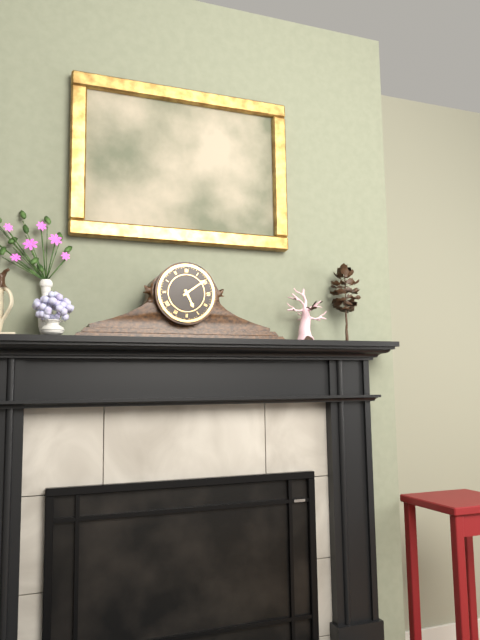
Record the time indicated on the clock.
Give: 5:09
